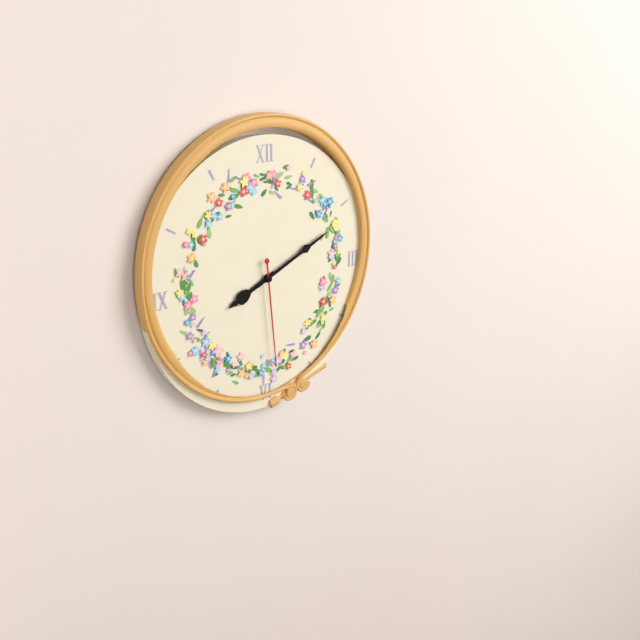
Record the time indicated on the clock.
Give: 8:11:29
